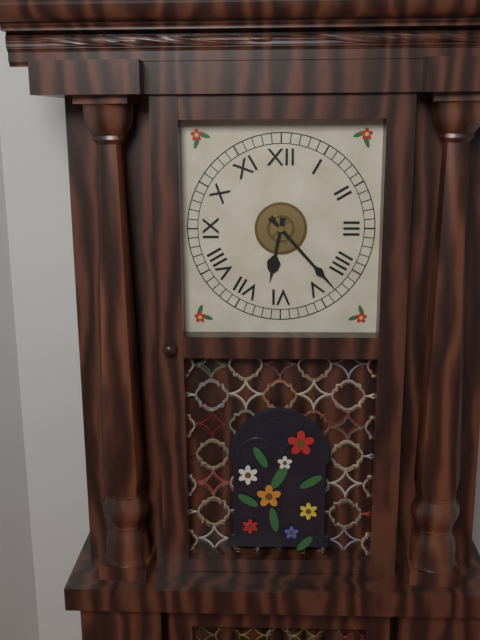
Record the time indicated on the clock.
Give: 6:23
